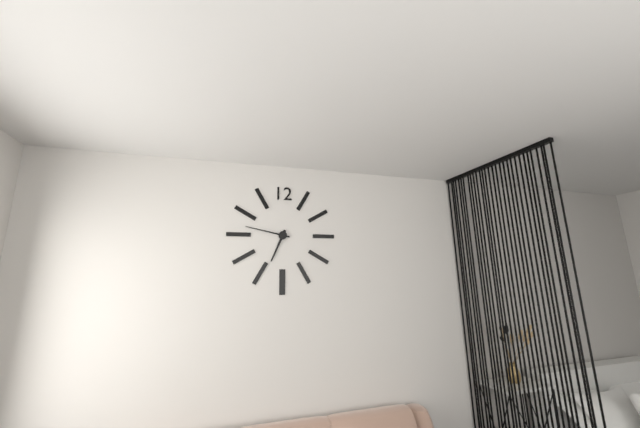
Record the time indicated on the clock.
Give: 6:47
